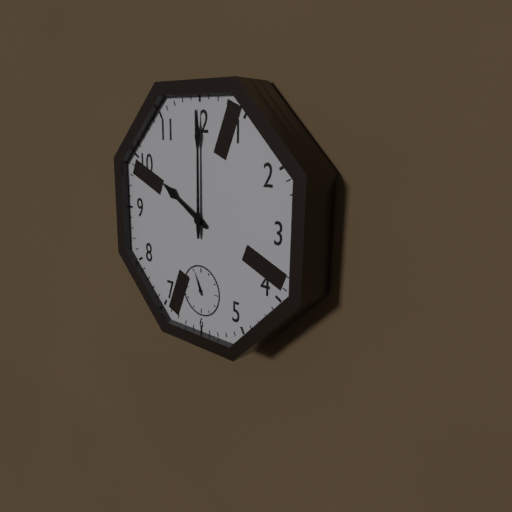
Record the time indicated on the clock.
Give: 10:00
